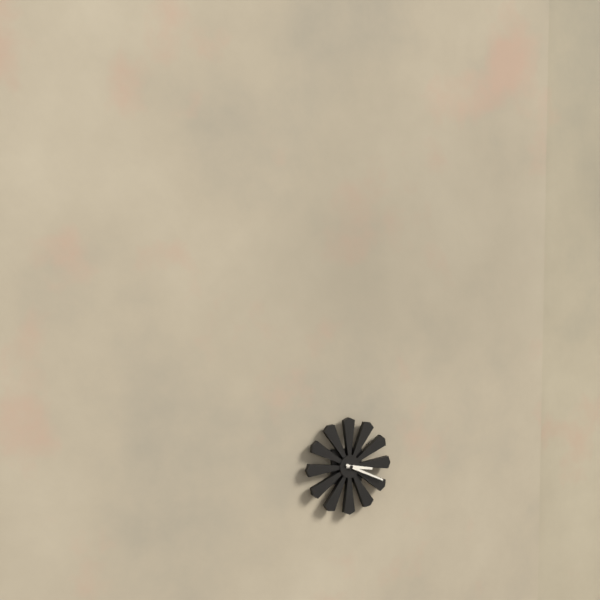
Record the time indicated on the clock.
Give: 3:19
